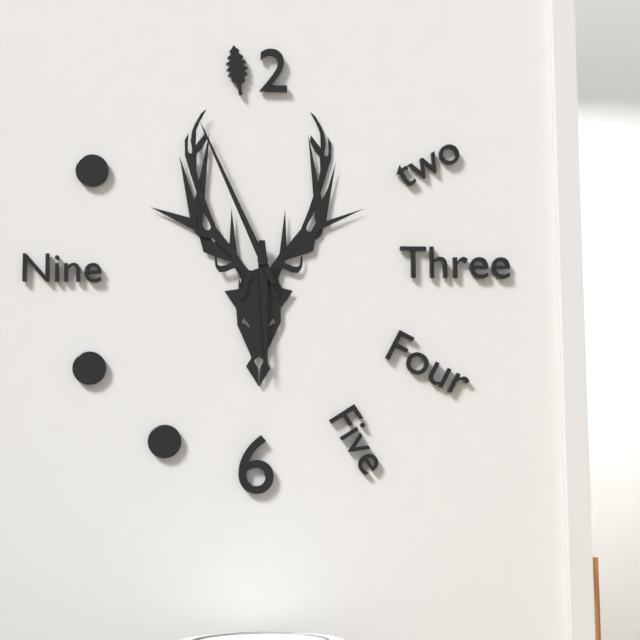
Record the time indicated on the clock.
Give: 5:56
